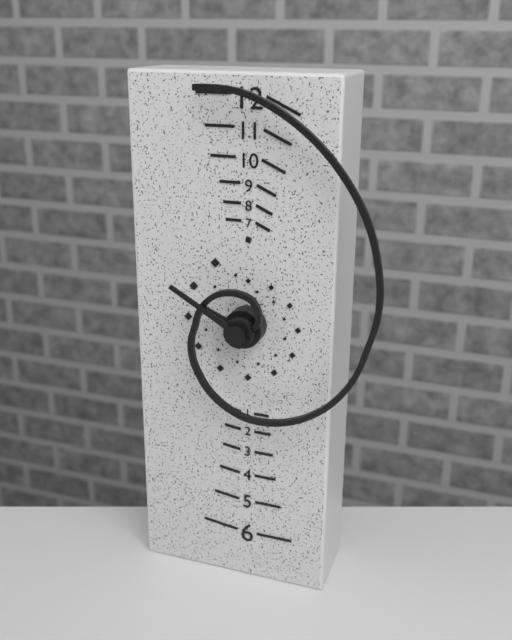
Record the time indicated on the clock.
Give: 9:50
